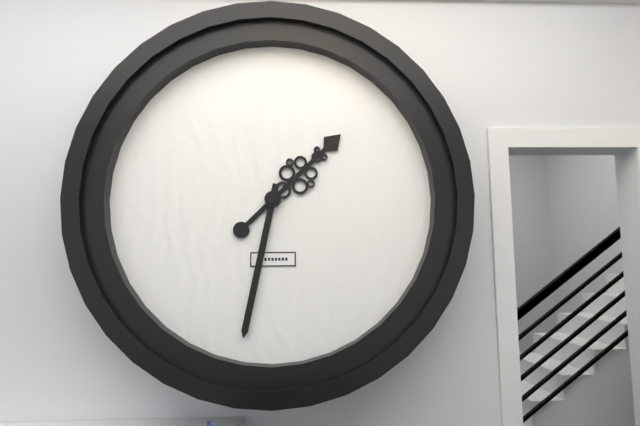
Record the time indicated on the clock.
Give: 1:32
